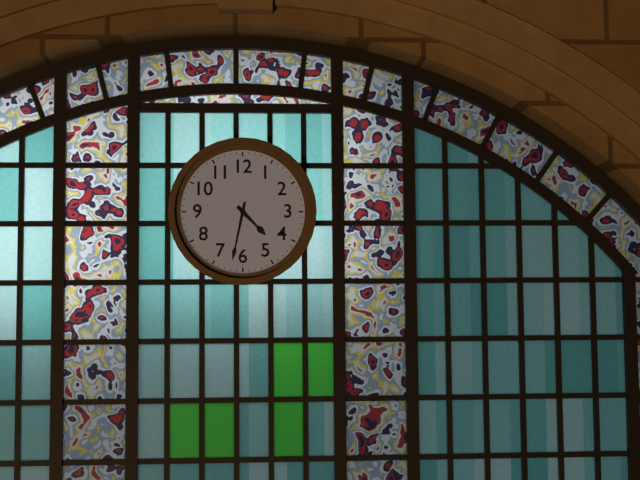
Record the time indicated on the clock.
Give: 4:32
